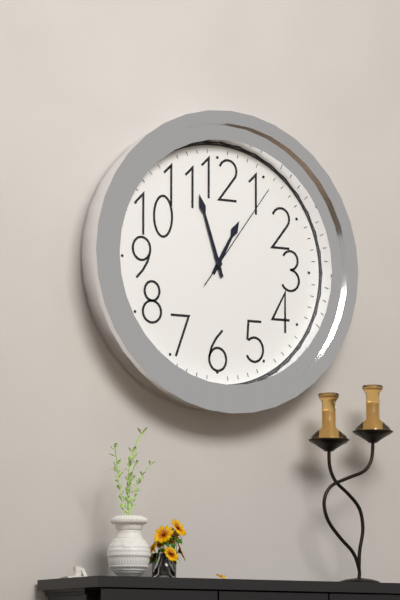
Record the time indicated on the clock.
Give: 12:57:06
